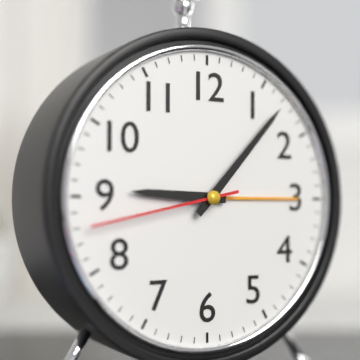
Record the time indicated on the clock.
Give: 9:07:43
